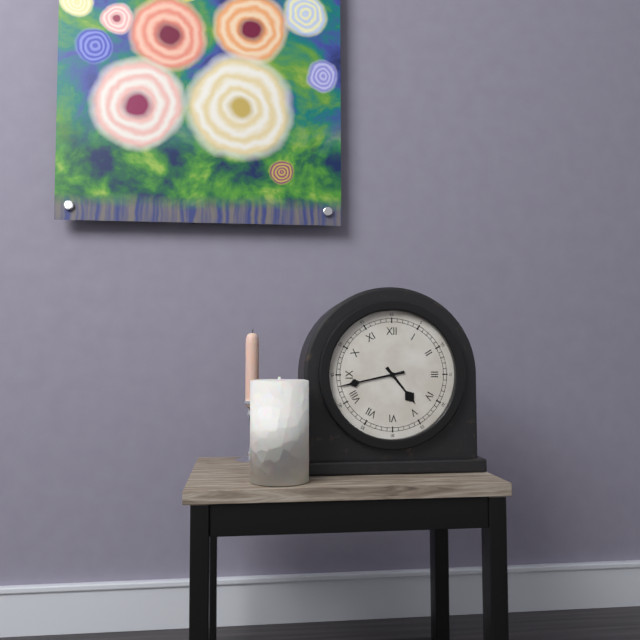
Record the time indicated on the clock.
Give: 4:43
